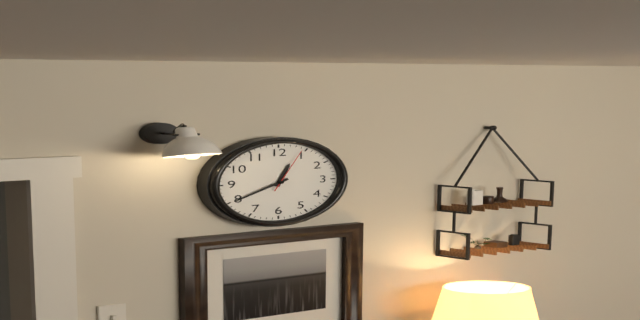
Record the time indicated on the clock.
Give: 12:40
